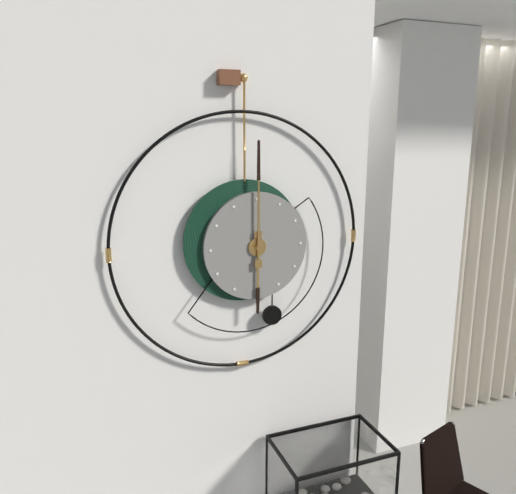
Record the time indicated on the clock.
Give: 6:00
